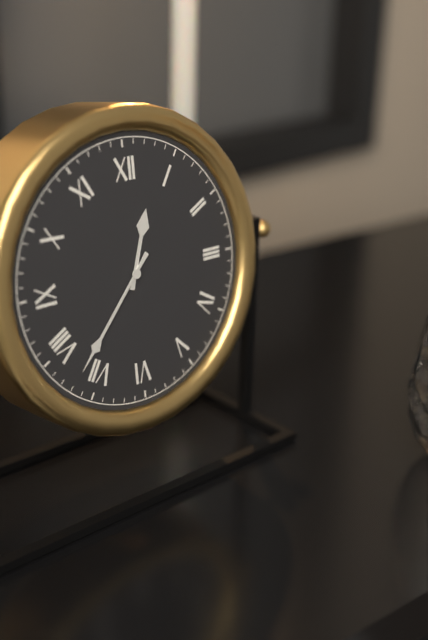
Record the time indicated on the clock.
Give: 12:37
